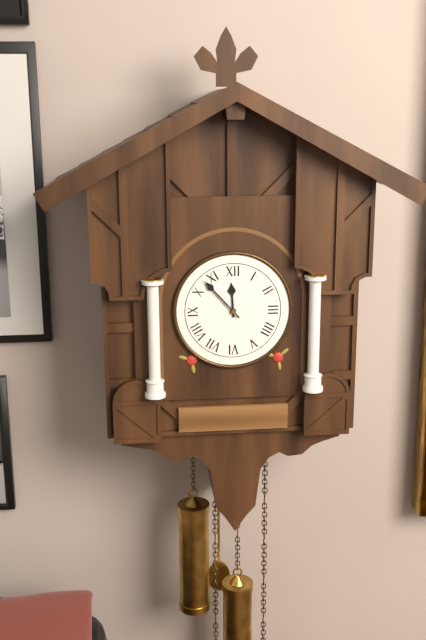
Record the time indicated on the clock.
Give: 11:53
